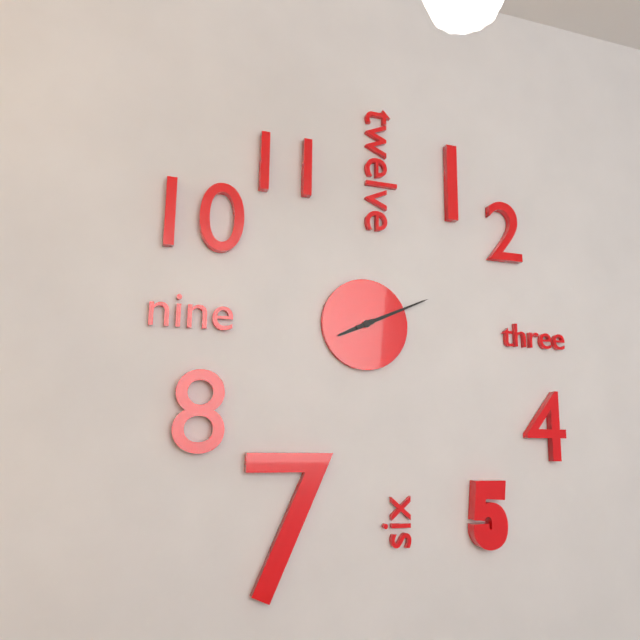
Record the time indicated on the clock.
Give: 8:11
